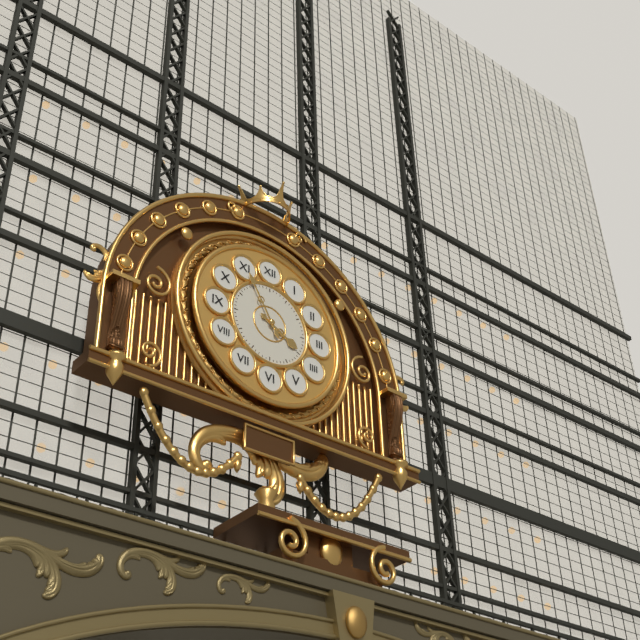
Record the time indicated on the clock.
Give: 3:55
